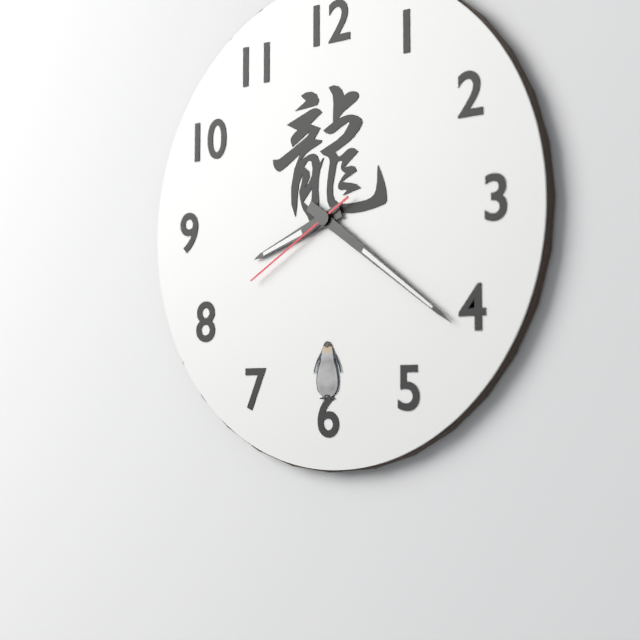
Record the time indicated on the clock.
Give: 8:21:40
